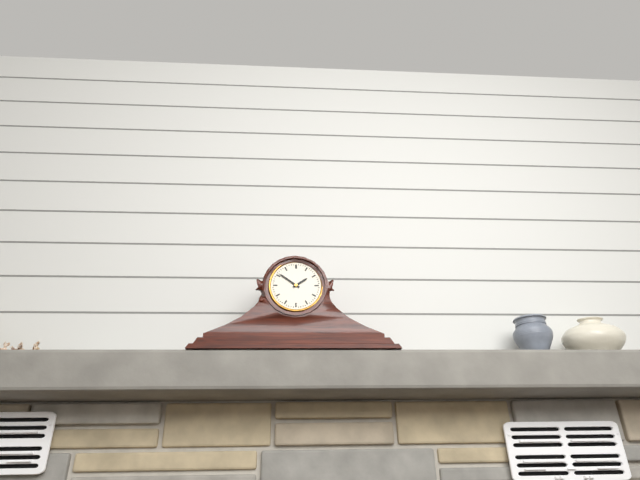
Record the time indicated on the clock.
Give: 1:51
